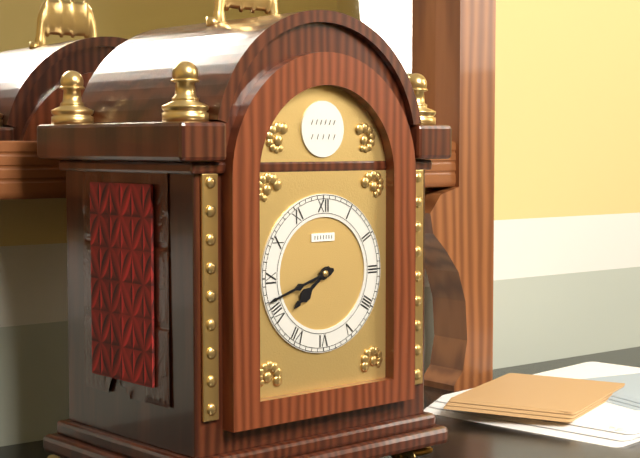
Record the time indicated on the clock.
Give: 7:42
